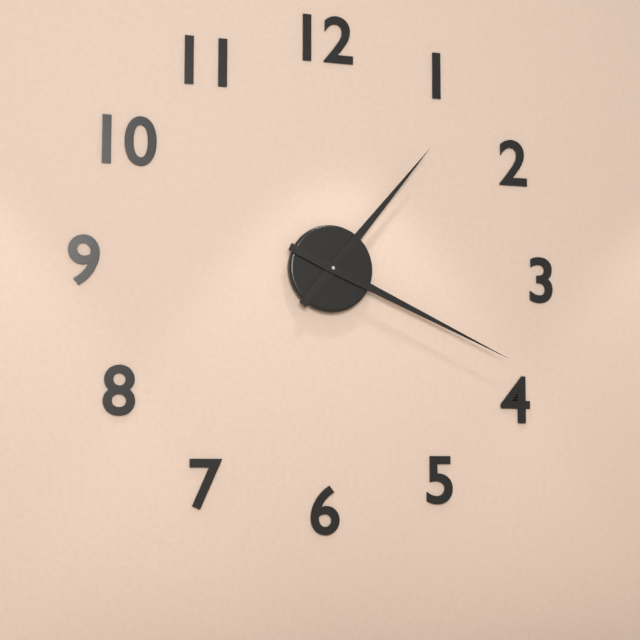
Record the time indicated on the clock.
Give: 1:19
